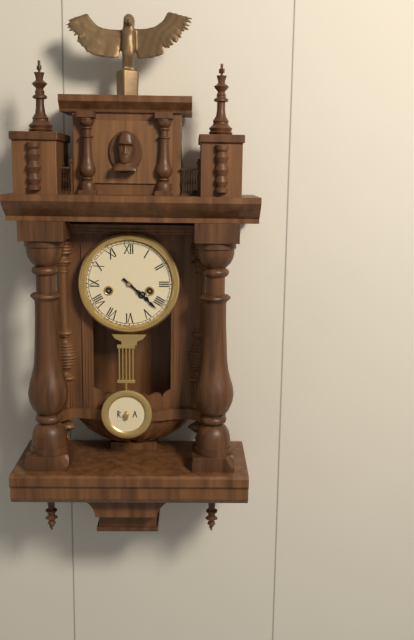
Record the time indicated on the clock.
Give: 4:22
